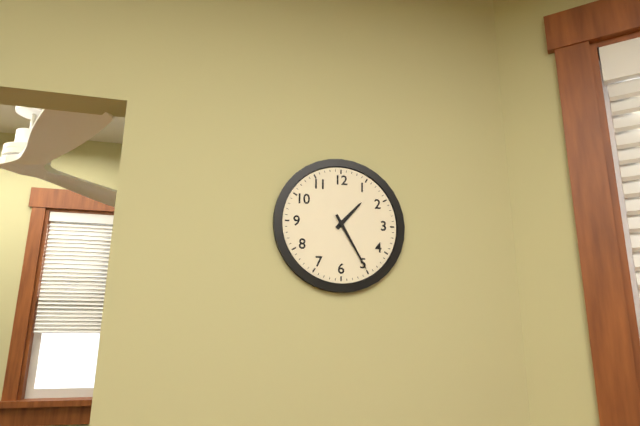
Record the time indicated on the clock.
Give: 1:25
